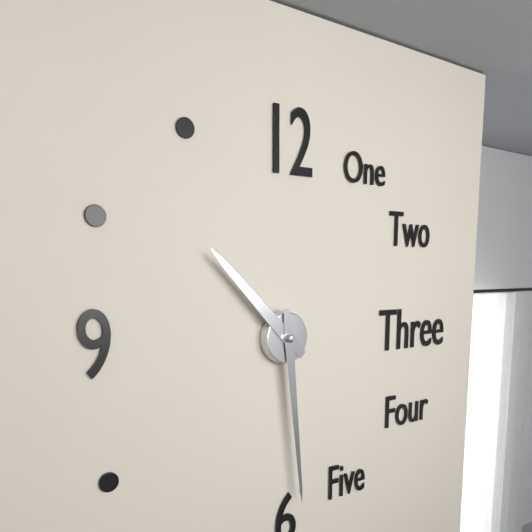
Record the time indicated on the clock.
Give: 10:29
